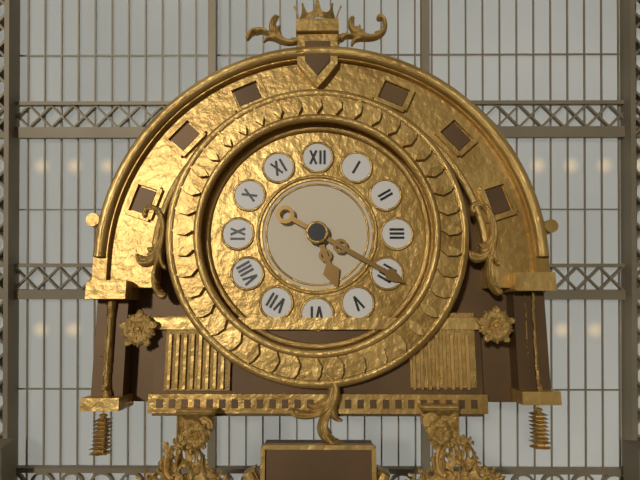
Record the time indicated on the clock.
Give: 5:20
